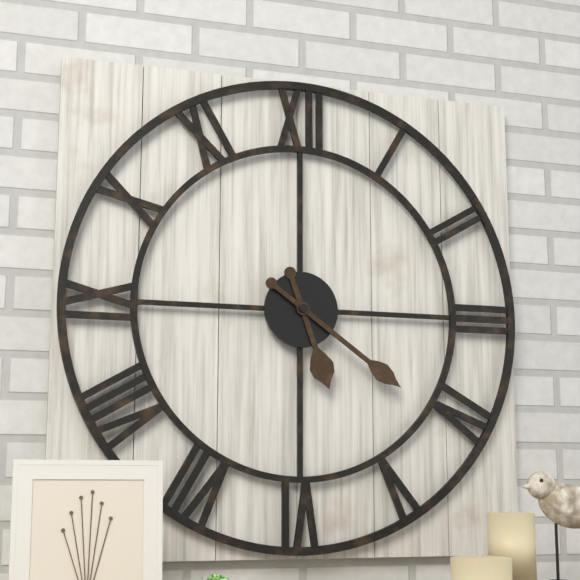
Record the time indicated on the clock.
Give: 5:21
